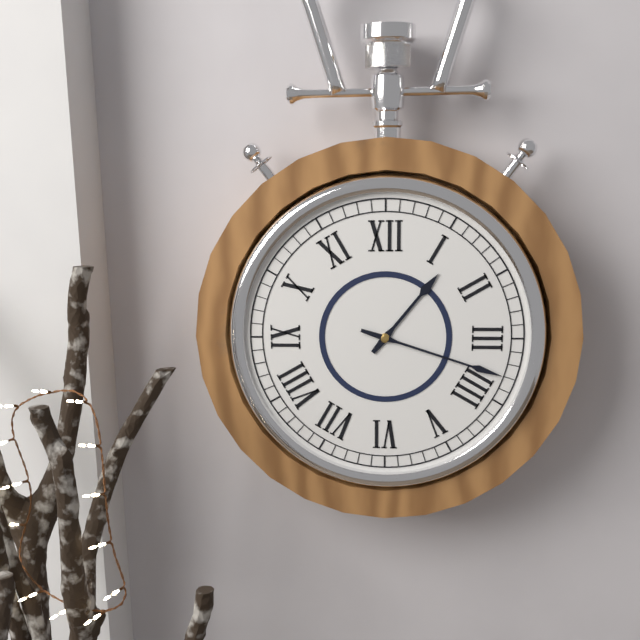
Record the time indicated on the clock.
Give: 1:18
